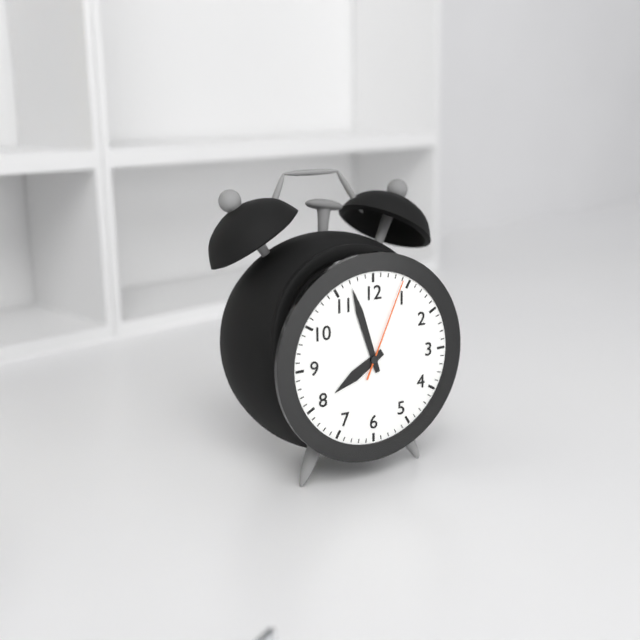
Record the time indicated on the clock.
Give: 7:57:04
